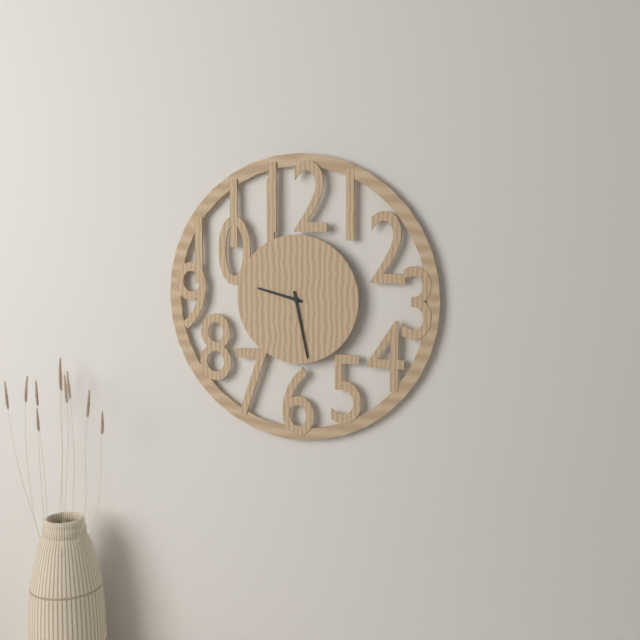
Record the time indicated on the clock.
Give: 9:28
